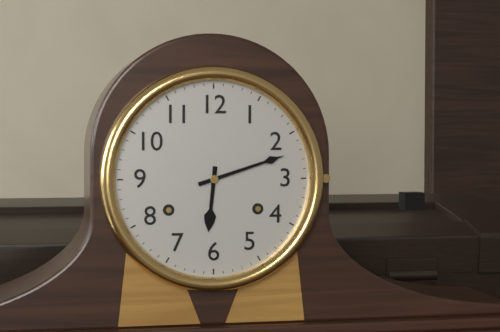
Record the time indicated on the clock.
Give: 6:12
